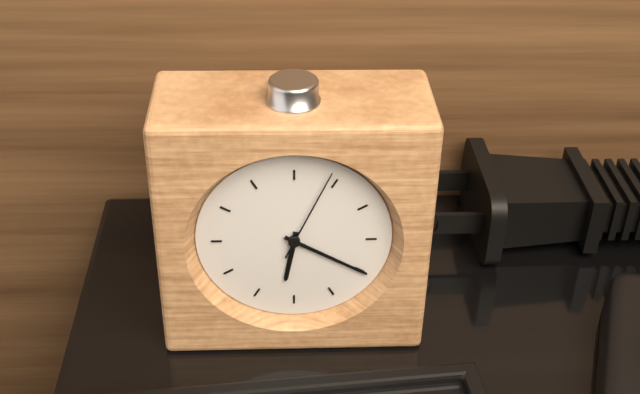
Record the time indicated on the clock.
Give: 6:20:04
